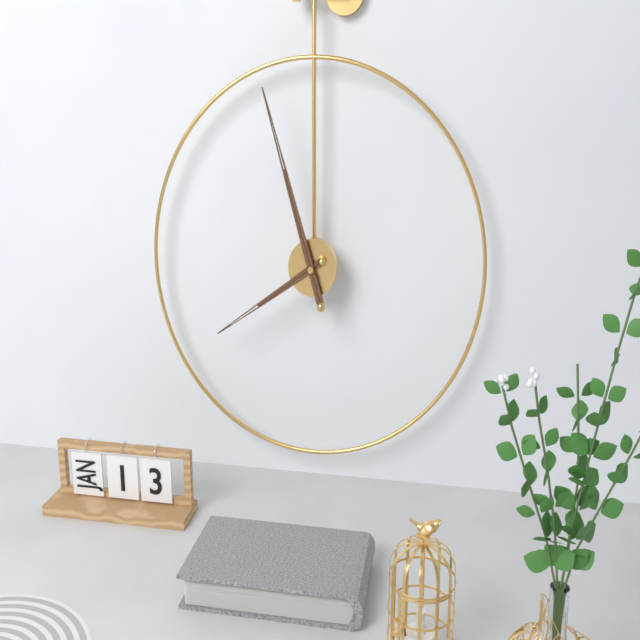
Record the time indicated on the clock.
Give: 7:57
